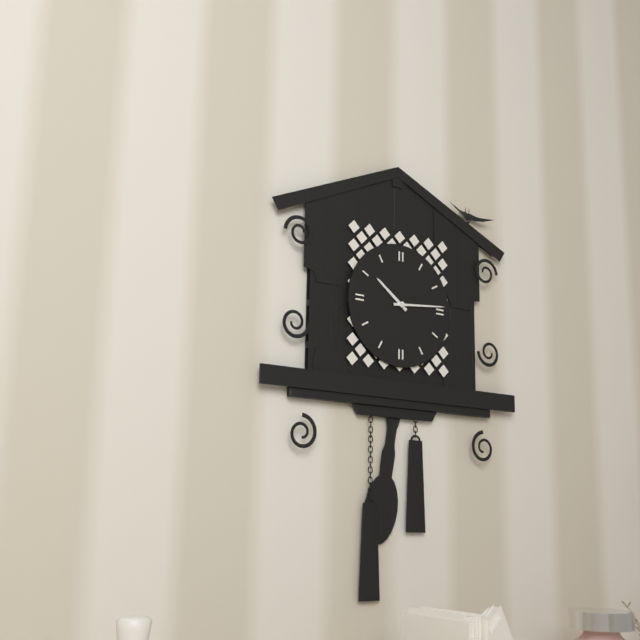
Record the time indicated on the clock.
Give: 10:14
